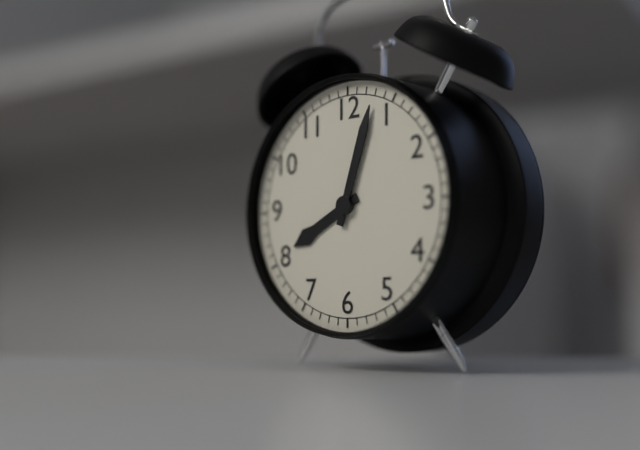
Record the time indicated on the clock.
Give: 8:03
